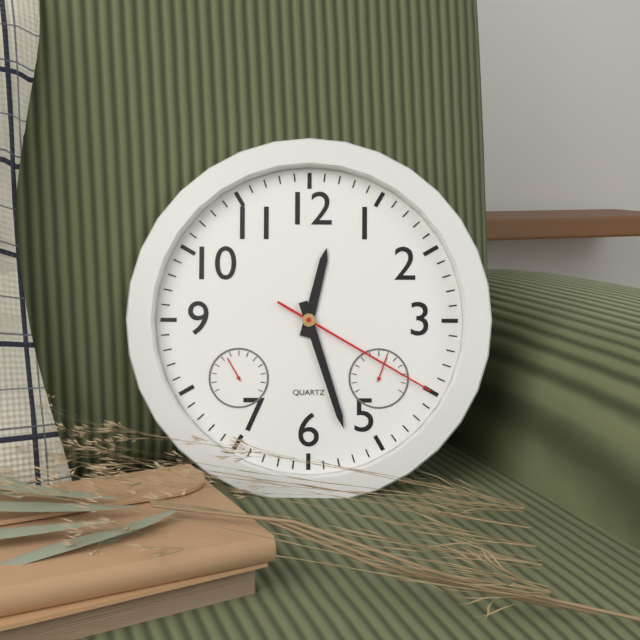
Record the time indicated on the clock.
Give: 12:27:20
